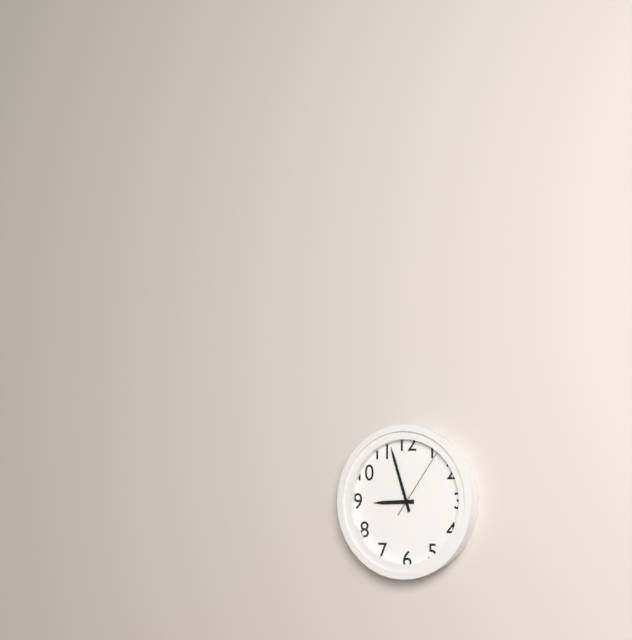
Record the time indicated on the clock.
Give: 8:57:06
